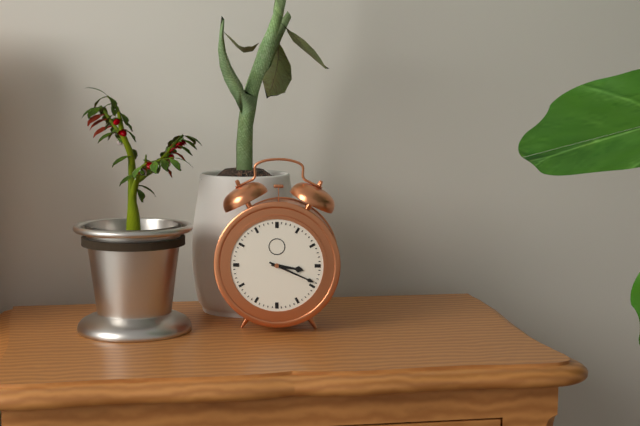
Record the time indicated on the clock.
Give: 3:19
